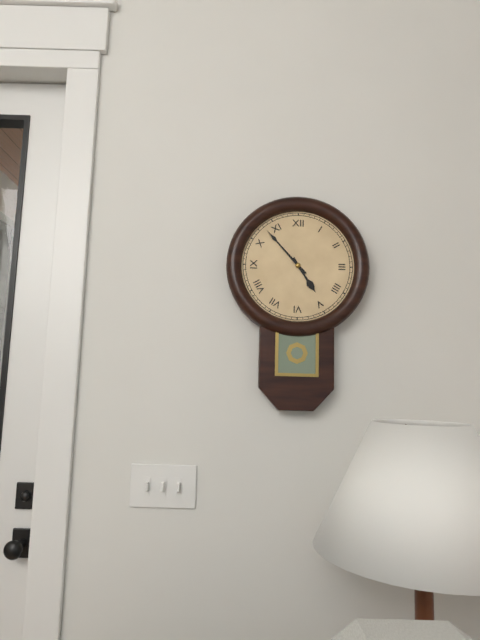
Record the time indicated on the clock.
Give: 4:53
